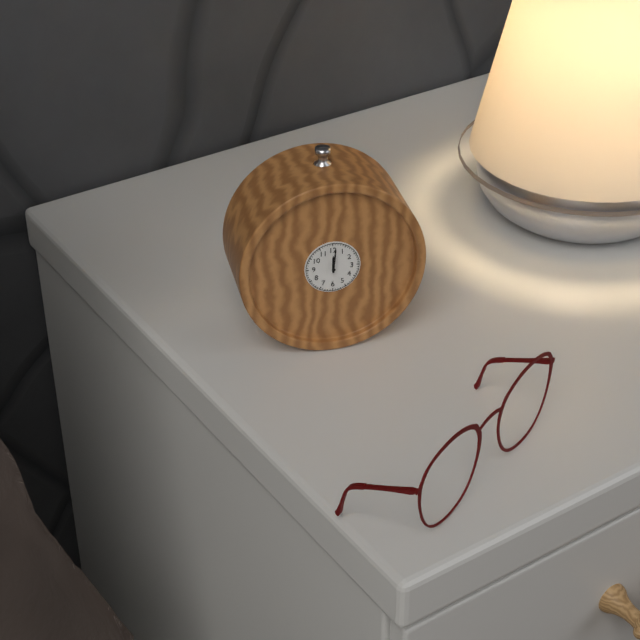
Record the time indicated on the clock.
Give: 12:01
